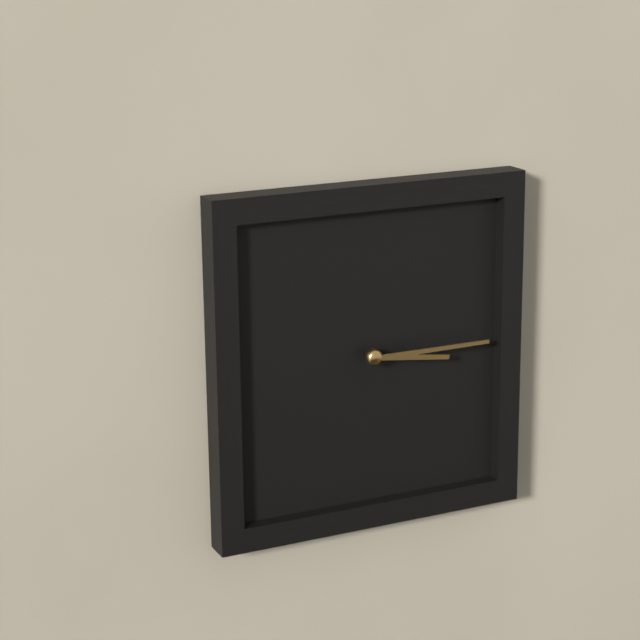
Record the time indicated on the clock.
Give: 3:15
